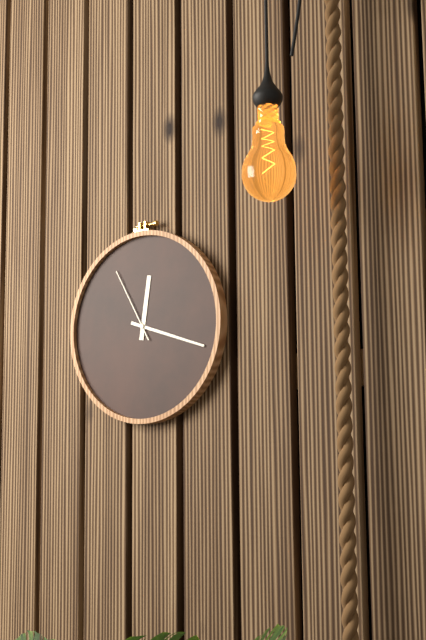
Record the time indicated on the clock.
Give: 12:18:55
